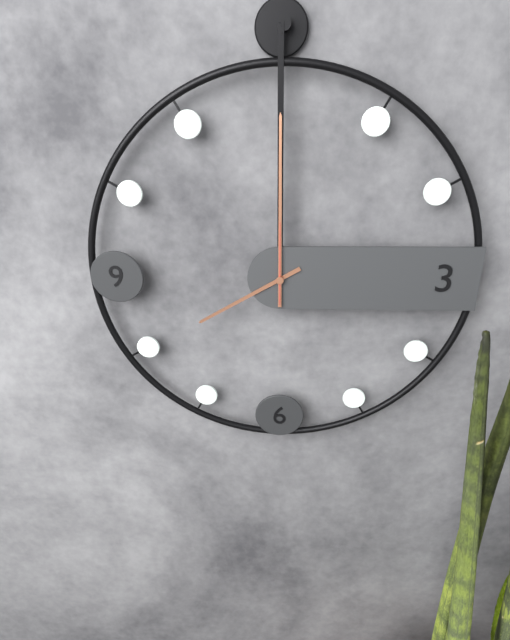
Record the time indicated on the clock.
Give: 8:00:00
